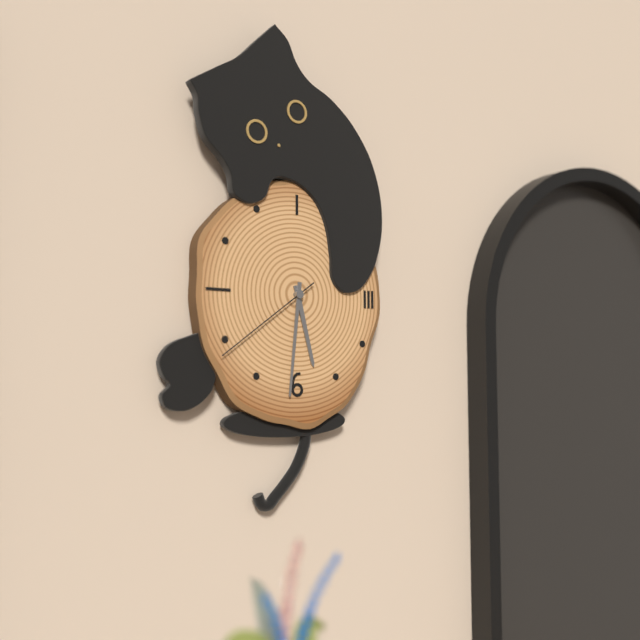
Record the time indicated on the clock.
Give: 5:31:39
